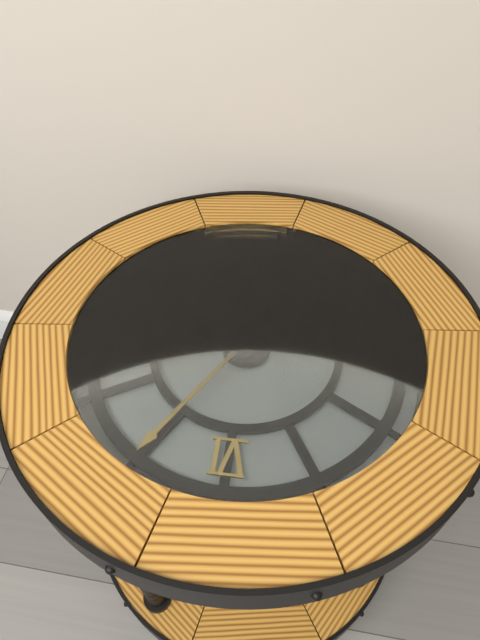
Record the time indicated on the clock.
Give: 8:35
